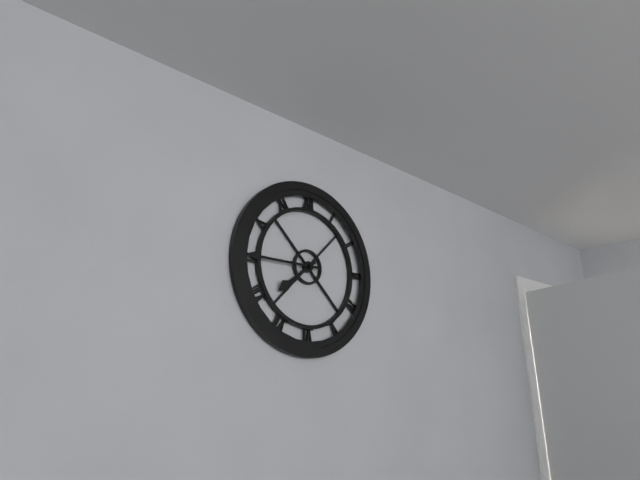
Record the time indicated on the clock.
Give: 7:45
